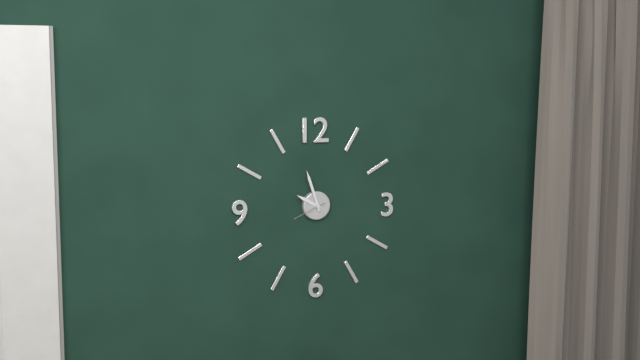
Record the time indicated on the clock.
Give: 9:57
